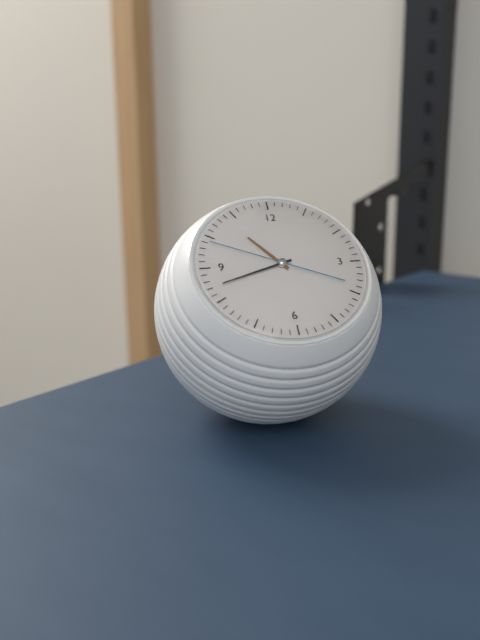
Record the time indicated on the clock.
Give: 10:42:49
